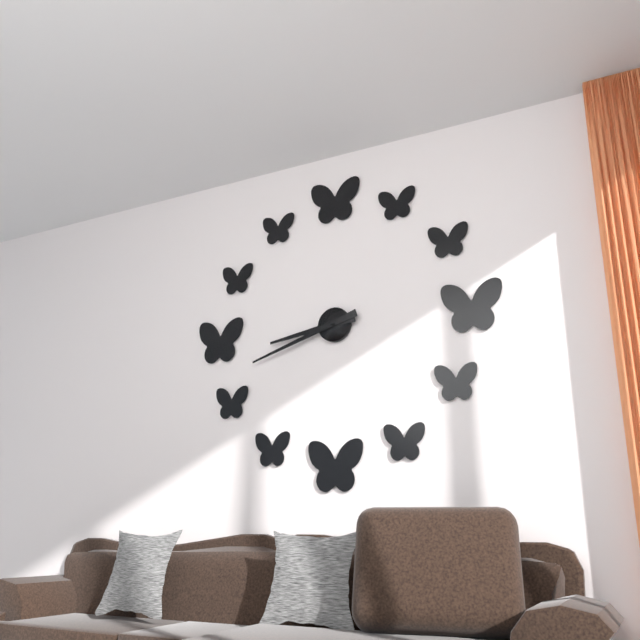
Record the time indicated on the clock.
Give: 8:42
